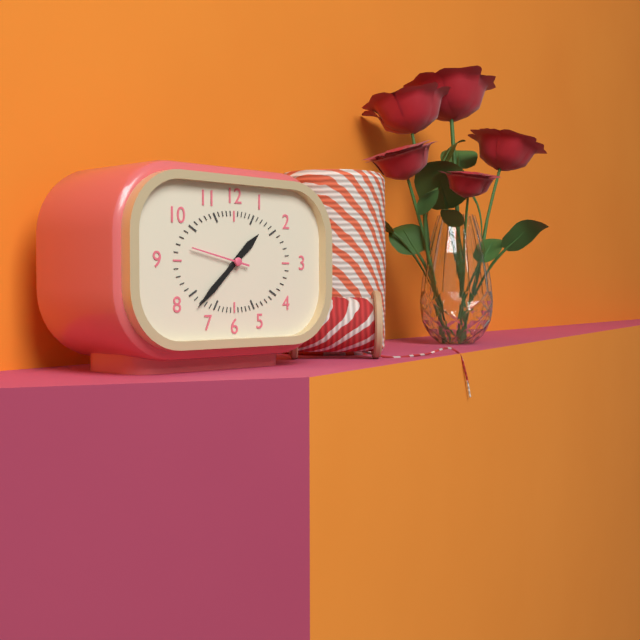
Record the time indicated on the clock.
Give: 1:38:47
